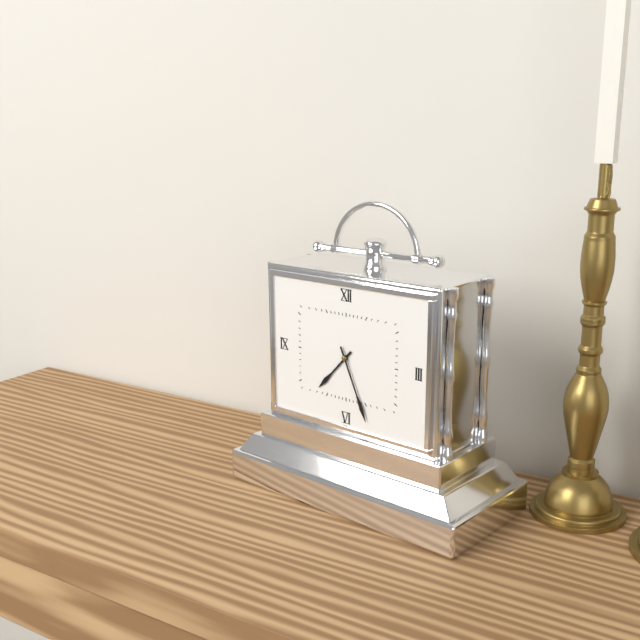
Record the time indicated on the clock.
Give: 7:26
